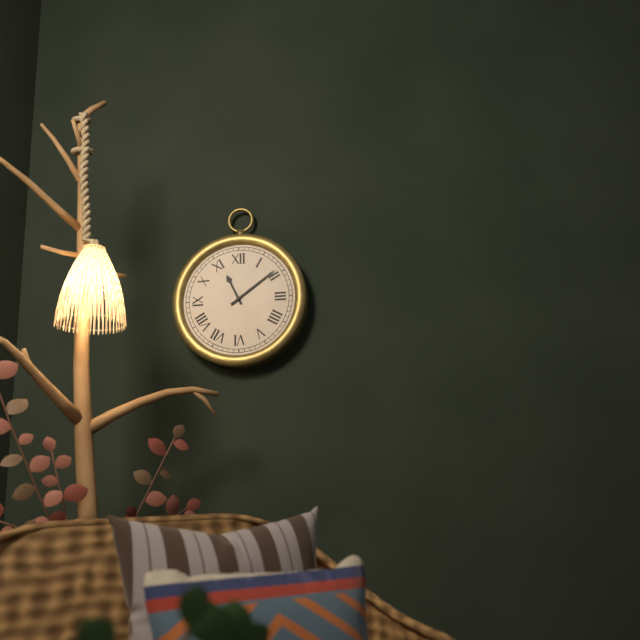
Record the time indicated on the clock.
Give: 11:09
